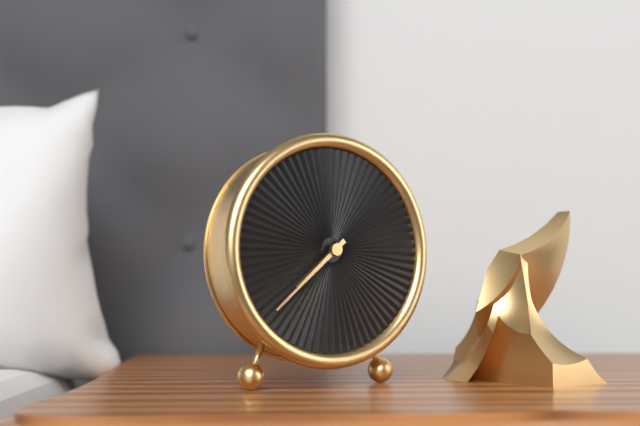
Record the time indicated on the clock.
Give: 7:38
